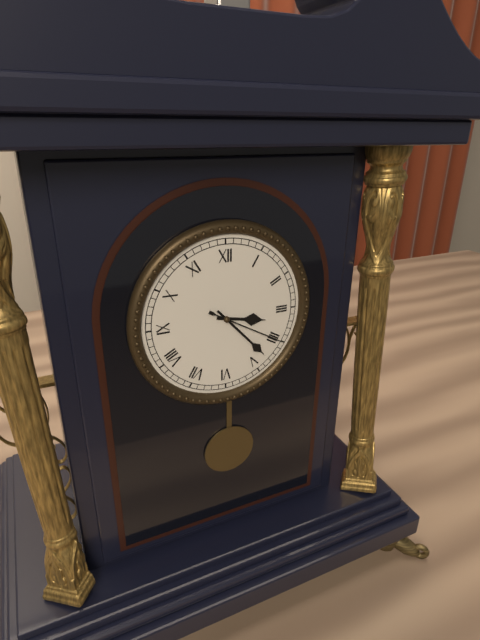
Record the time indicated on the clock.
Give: 3:23:20
